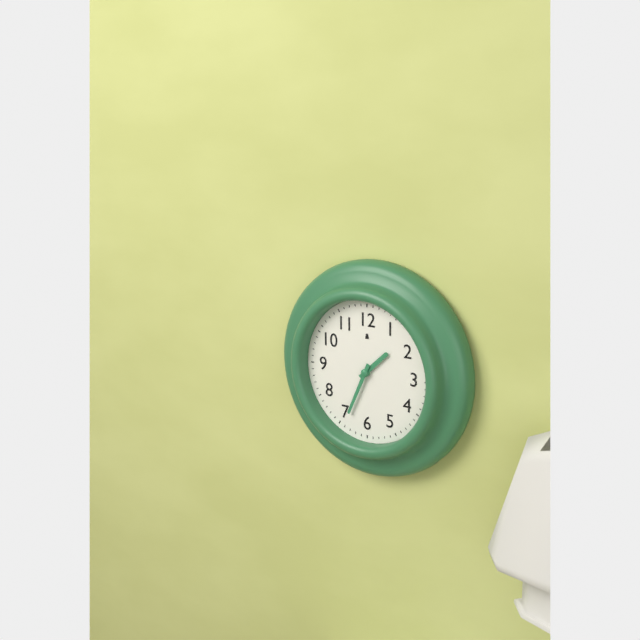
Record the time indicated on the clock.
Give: 1:34
